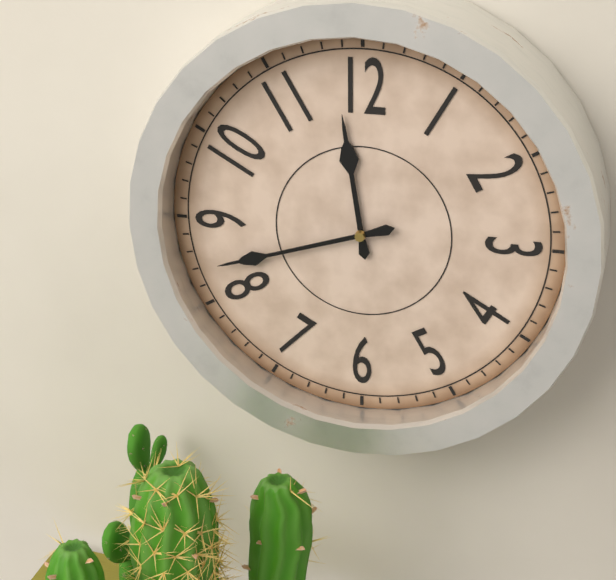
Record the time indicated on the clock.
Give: 11:42
